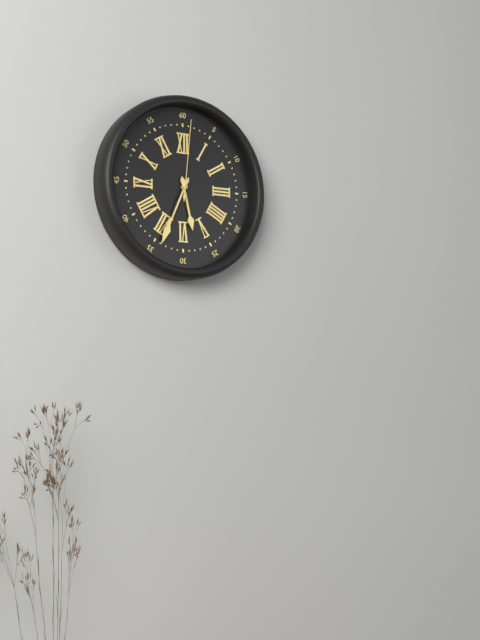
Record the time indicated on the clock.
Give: 5:34:01
